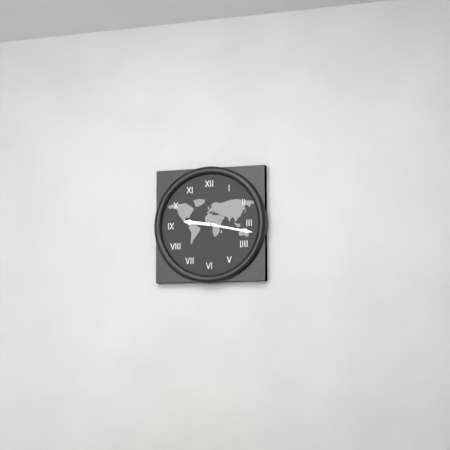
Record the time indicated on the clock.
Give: 9:17
